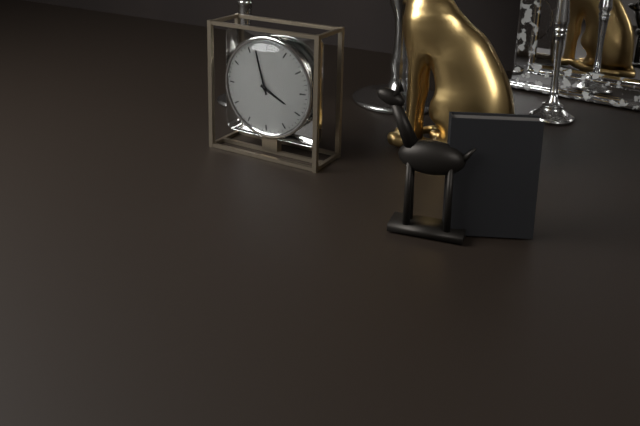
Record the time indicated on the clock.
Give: 3:57
